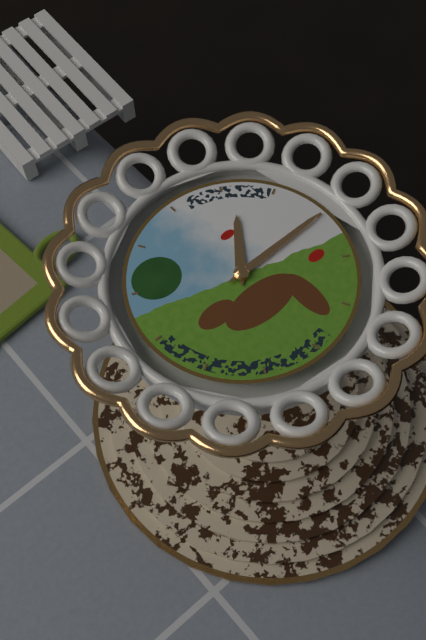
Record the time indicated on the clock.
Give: 1:15
